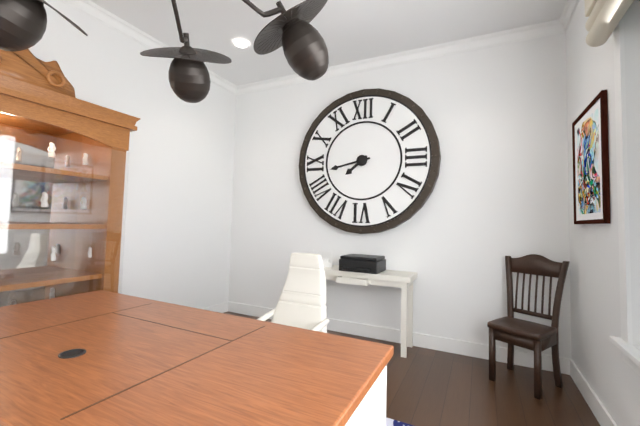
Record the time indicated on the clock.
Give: 7:43
